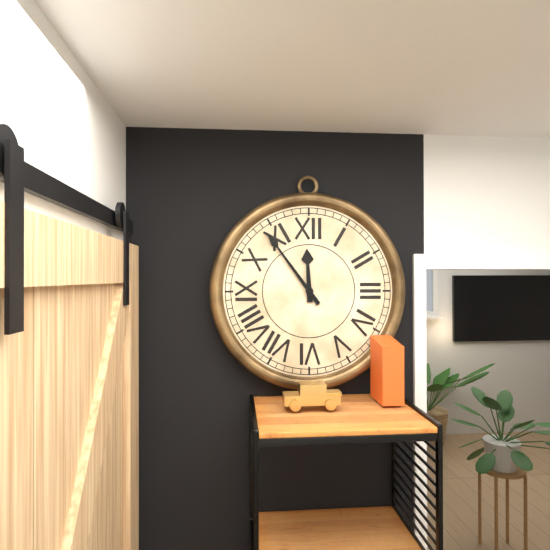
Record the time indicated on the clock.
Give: 11:54
